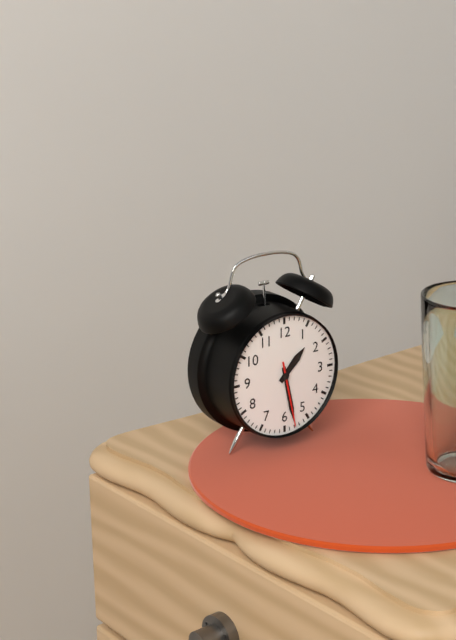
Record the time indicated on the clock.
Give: 1:28:28
